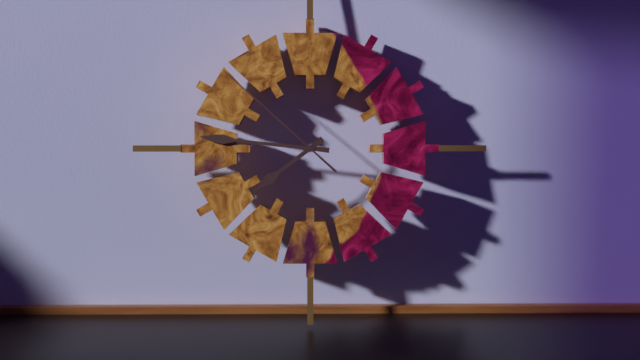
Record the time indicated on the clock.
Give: 7:46:52
